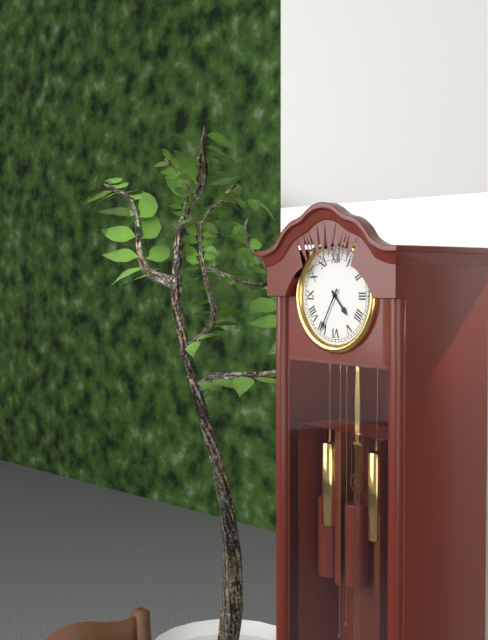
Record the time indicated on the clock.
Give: 4:35
